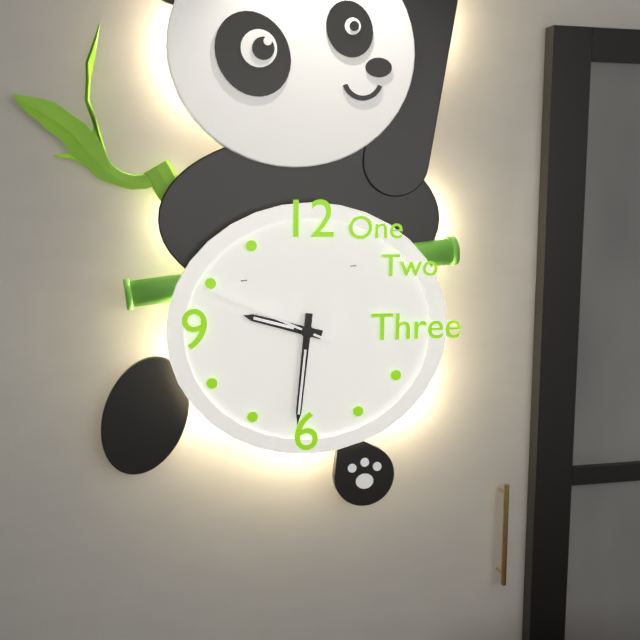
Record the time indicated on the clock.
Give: 9:31:49
